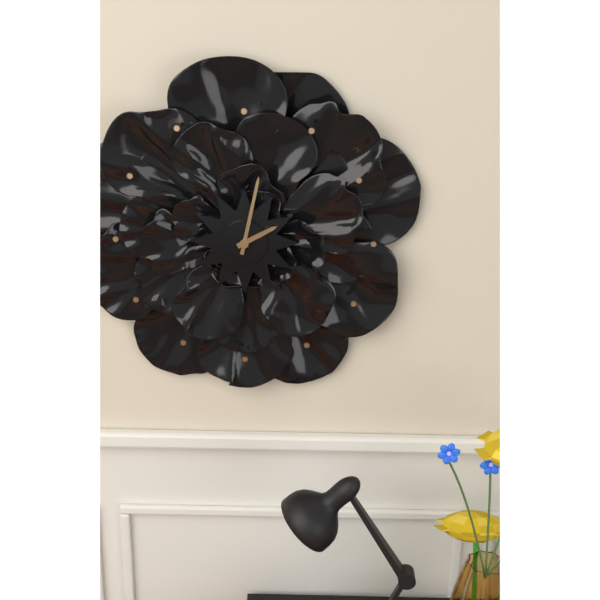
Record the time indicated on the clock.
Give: 2:02
